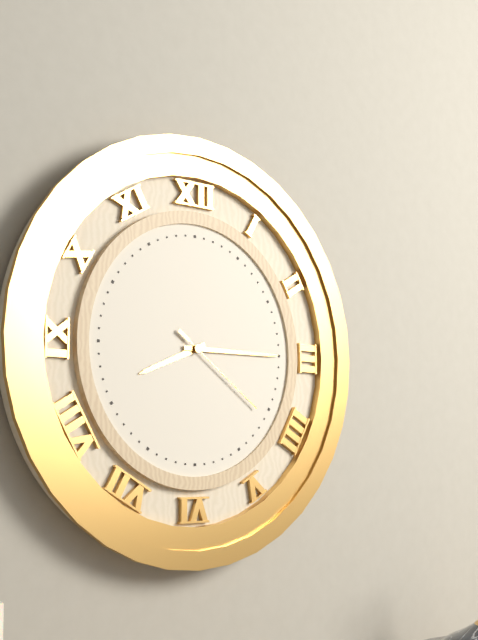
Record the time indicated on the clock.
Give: 8:15:21
